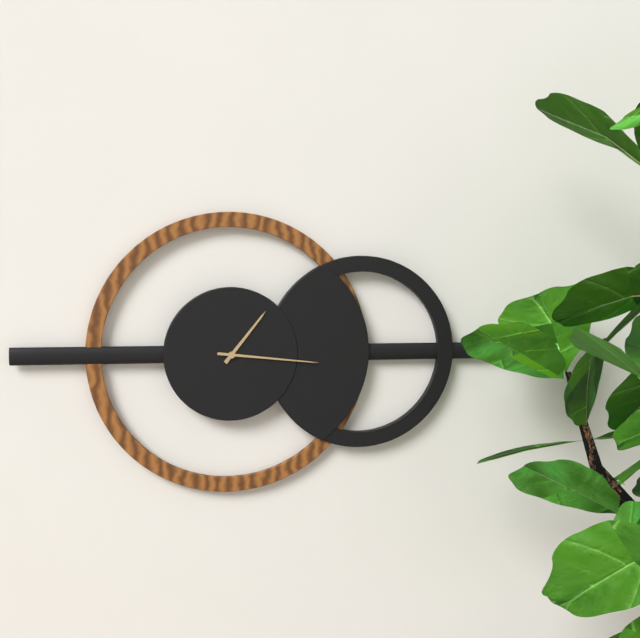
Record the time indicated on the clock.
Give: 1:16
